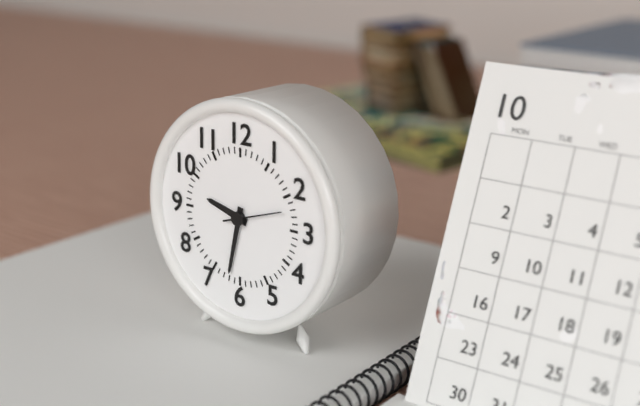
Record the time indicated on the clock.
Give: 9:32:12
